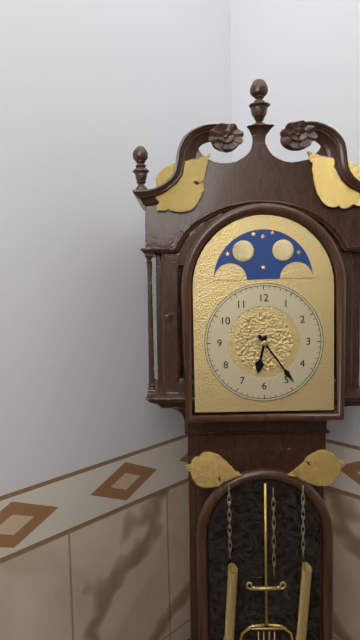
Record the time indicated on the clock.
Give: 6:24
